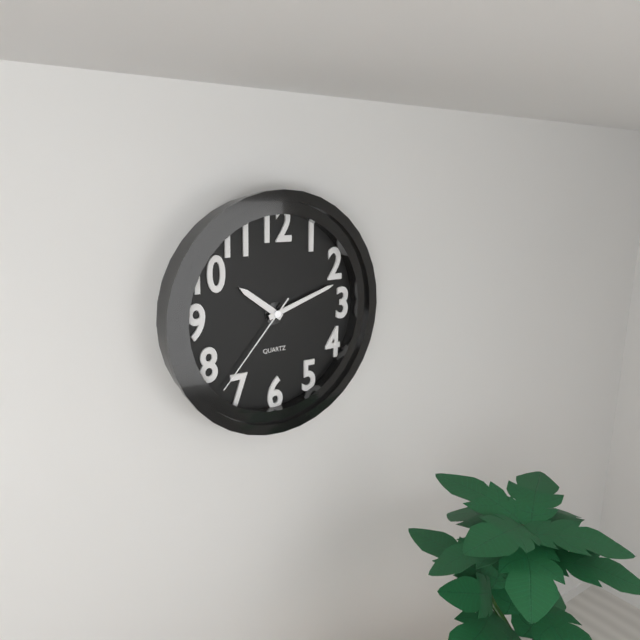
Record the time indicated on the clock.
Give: 10:12:37
